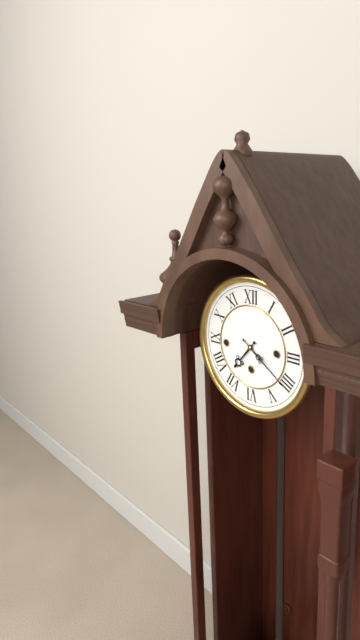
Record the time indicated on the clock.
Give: 7:21
